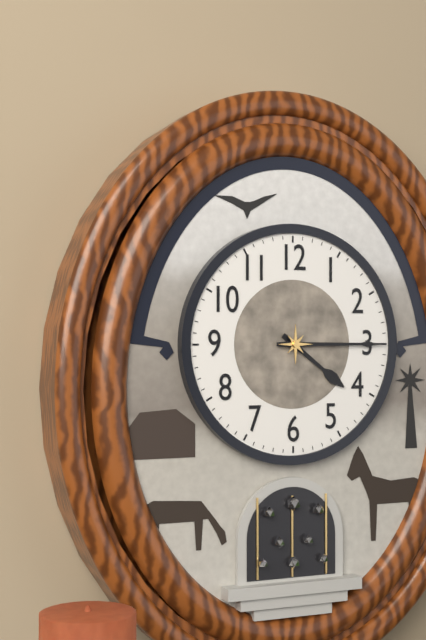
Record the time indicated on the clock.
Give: 4:15
